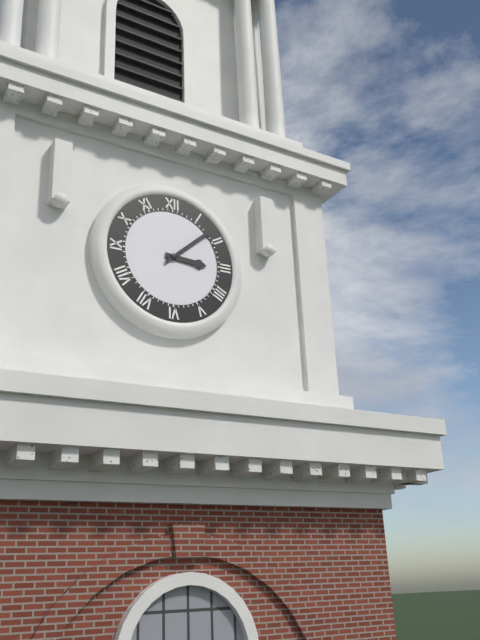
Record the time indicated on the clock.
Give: 3:08
